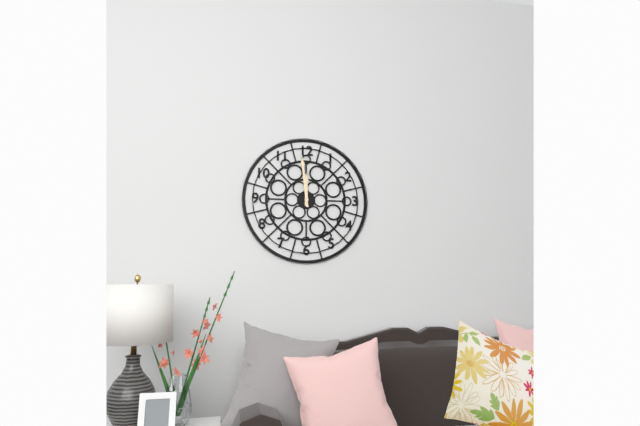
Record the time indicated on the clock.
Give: 11:59
